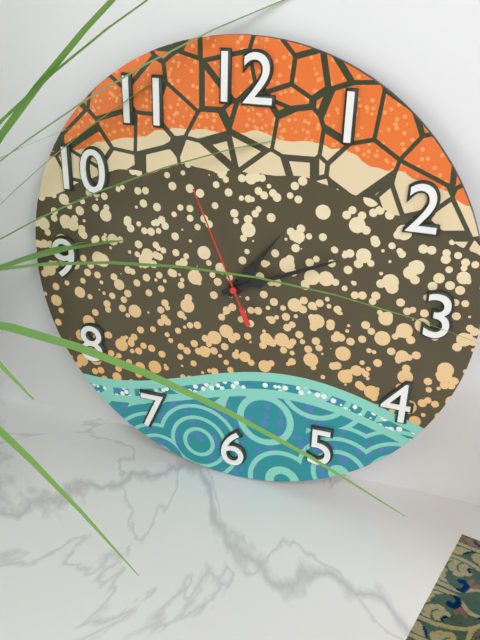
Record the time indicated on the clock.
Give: 1:11:56
